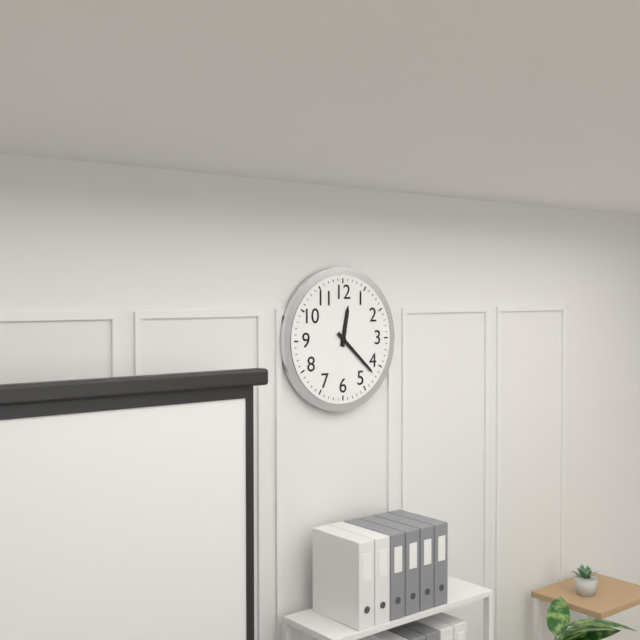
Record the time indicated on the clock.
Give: 12:22
